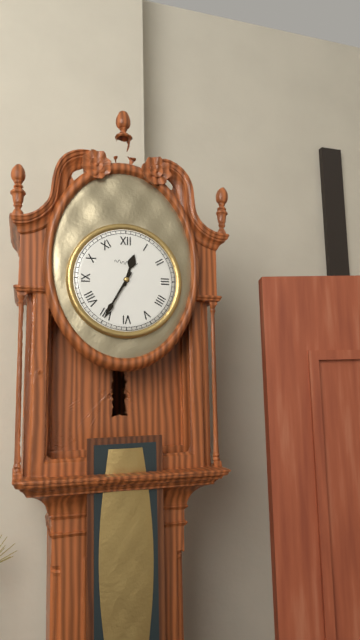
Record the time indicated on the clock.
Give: 12:35
